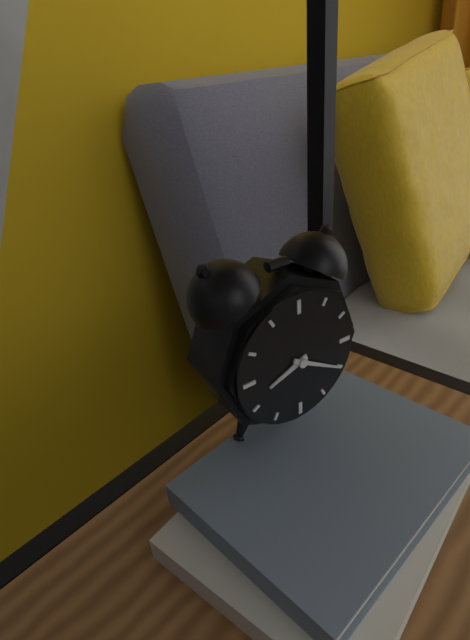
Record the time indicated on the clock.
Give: 8:20
